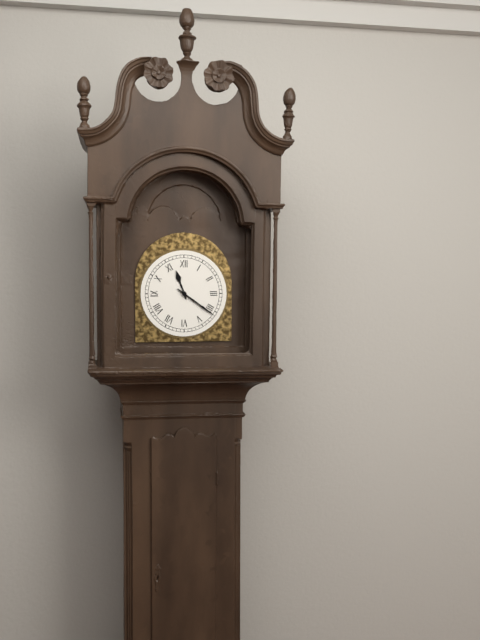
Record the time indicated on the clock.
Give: 11:21
